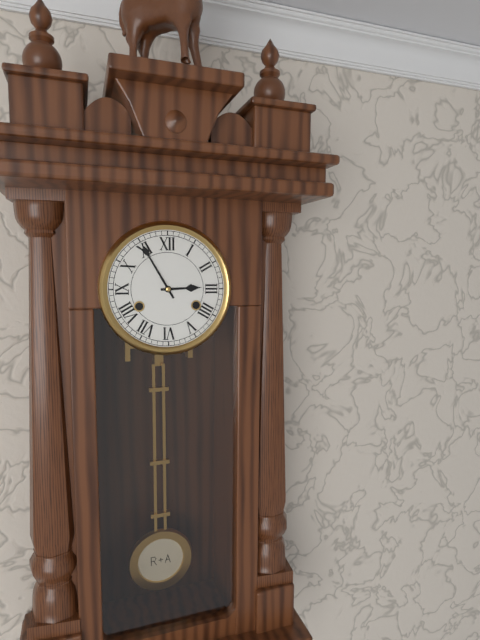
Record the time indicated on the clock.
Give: 2:55
